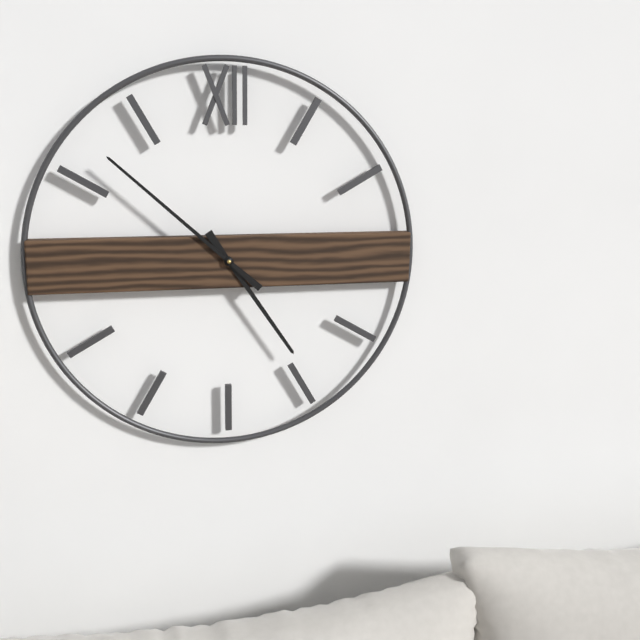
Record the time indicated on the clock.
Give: 4:52
